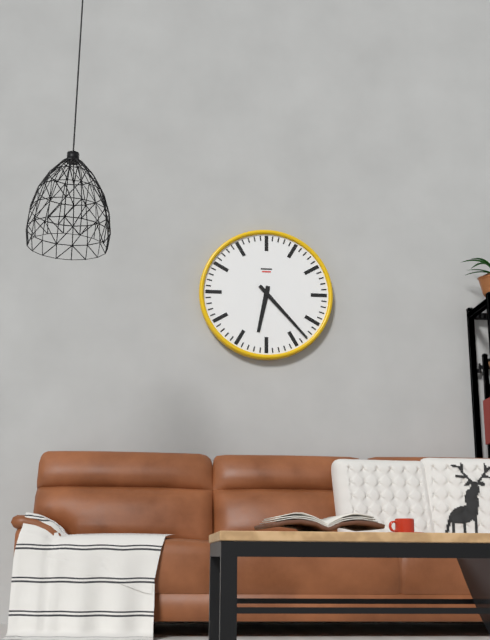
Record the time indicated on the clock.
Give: 6:23
